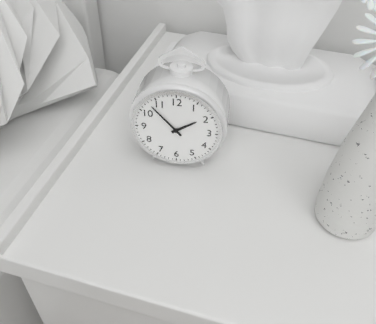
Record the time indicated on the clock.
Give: 1:53
